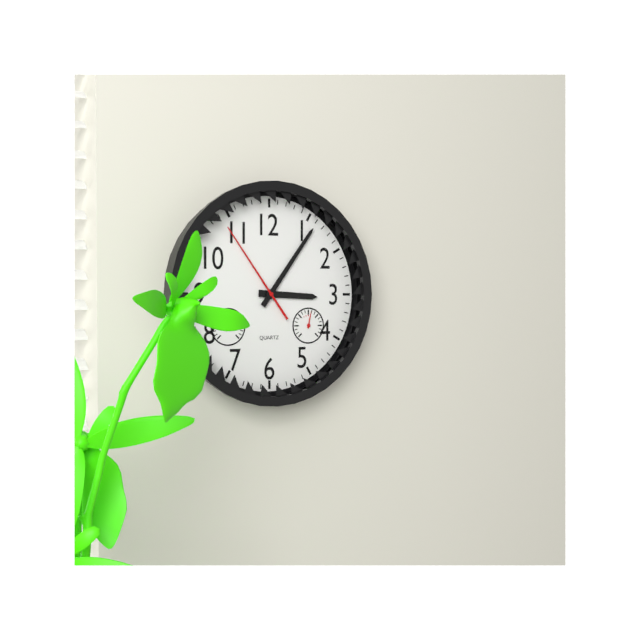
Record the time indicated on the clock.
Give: 3:06:54
